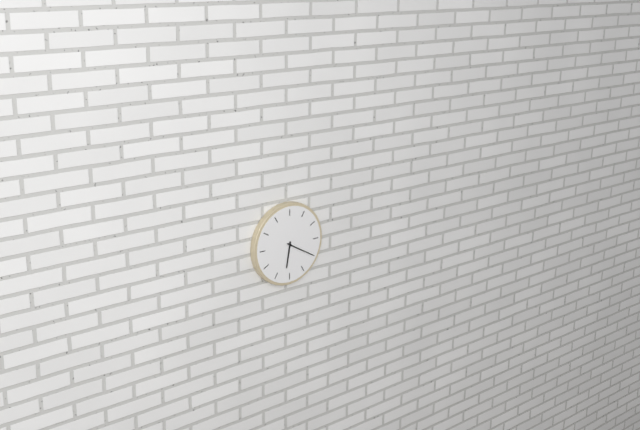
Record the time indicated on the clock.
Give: 6:20
